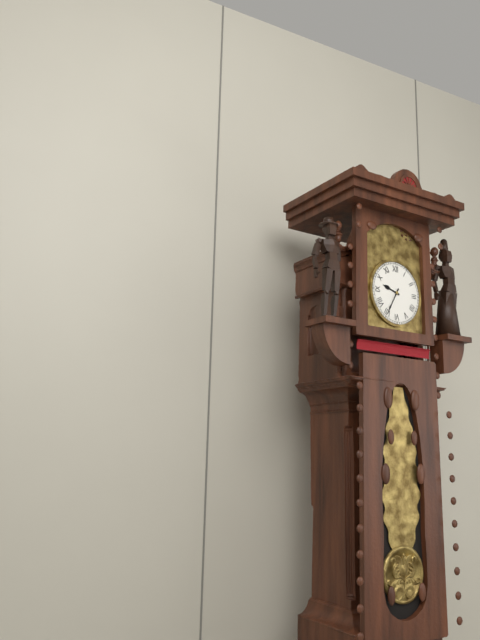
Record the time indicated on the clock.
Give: 9:35
